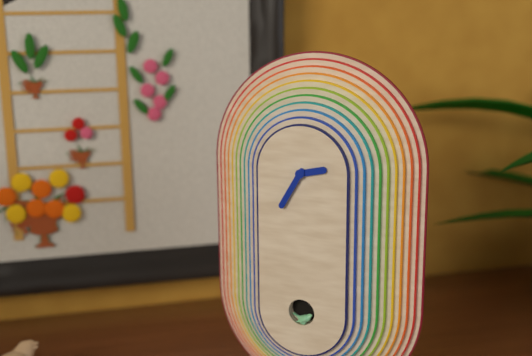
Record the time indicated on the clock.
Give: 2:35
